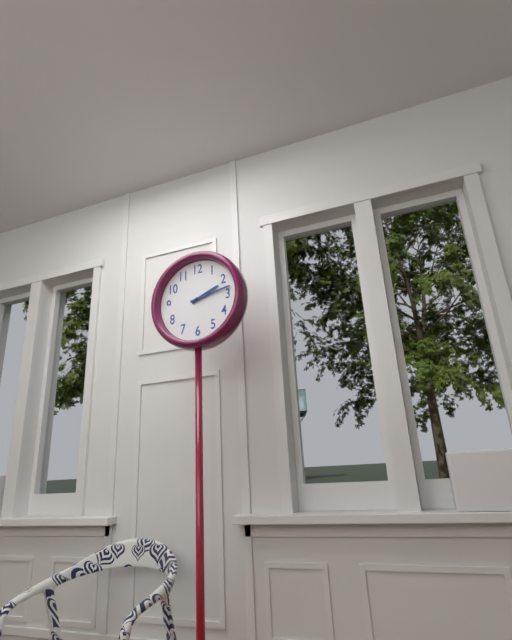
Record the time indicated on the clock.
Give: 2:13
